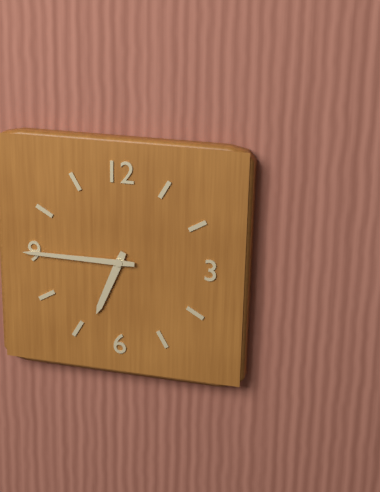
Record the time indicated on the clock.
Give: 6:45
